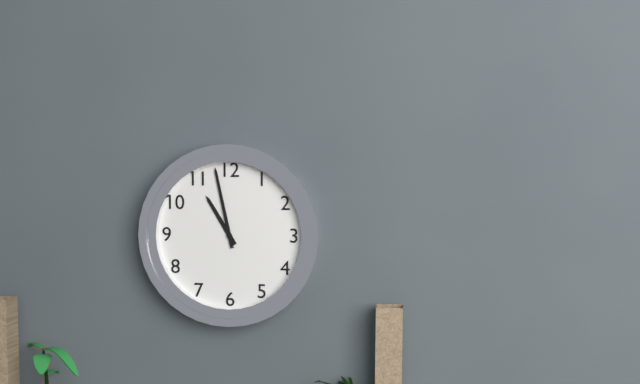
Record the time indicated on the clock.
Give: 10:58
